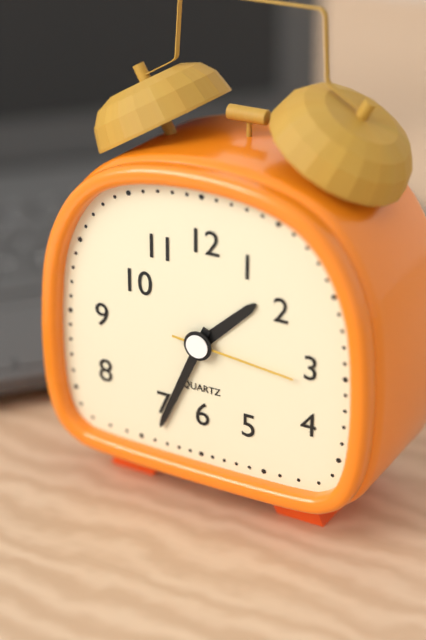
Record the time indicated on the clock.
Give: 1:34:16
